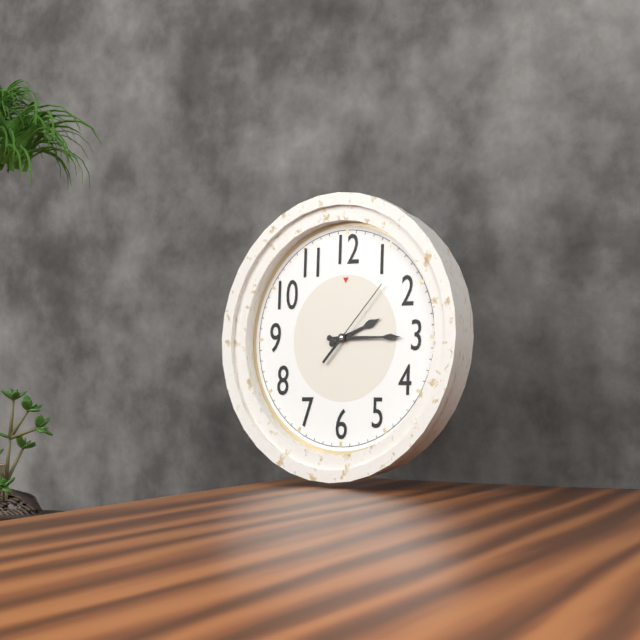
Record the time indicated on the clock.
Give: 2:15:07
